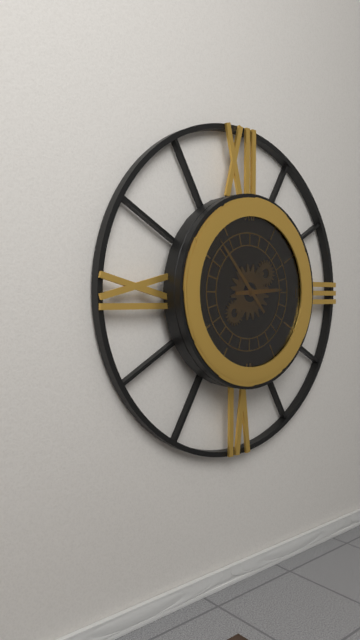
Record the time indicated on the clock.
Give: 2:53
